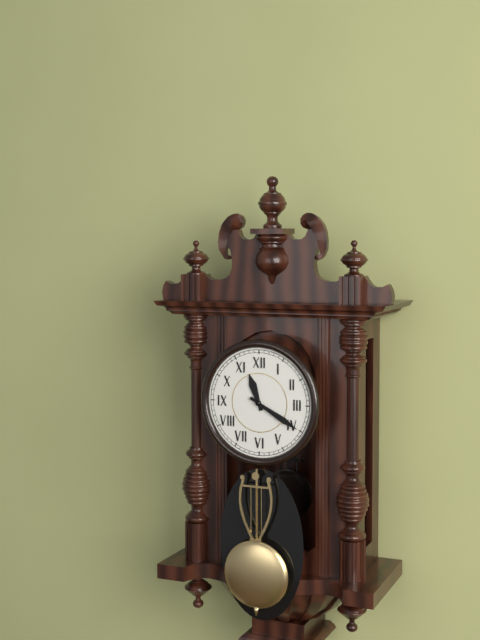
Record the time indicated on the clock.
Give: 11:20
